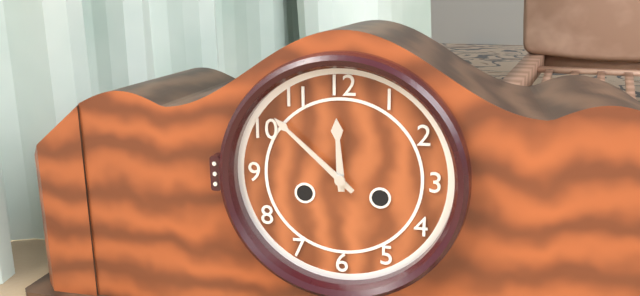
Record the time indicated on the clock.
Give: 11:52
